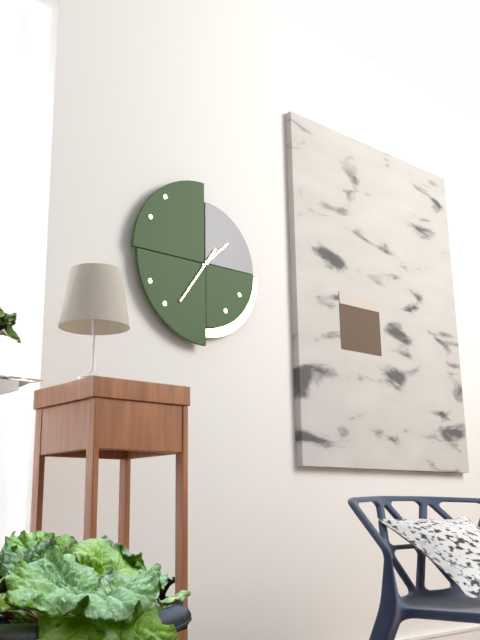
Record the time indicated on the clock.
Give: 1:36
